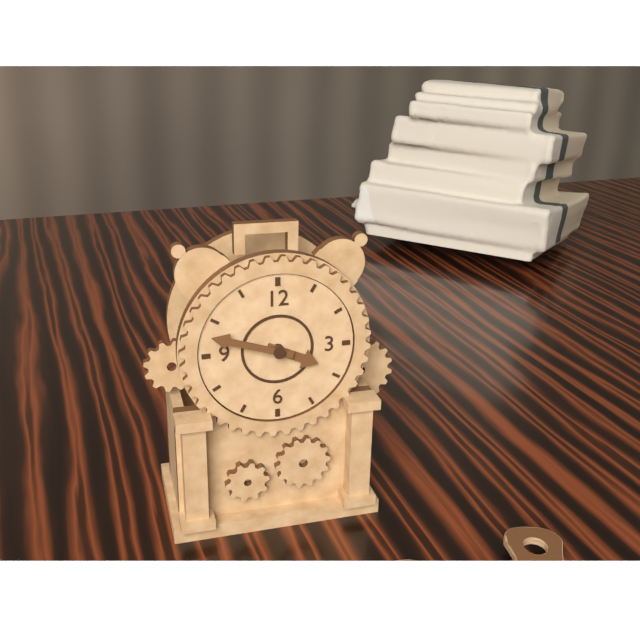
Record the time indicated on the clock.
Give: 3:48
